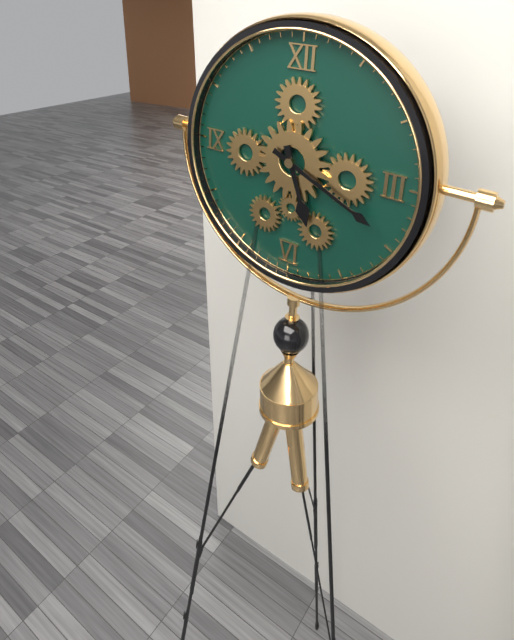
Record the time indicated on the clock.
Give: 5:19
